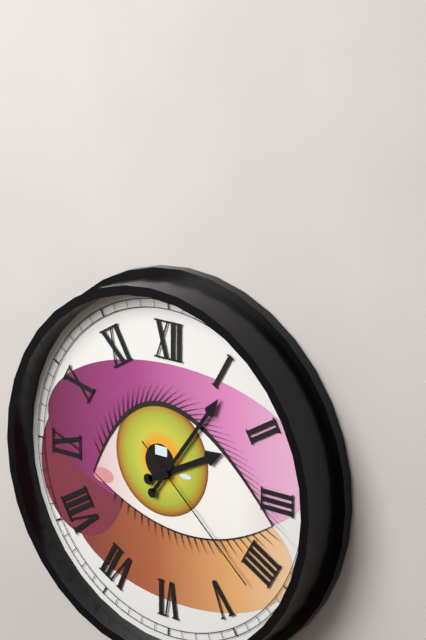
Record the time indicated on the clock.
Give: 2:06:22
